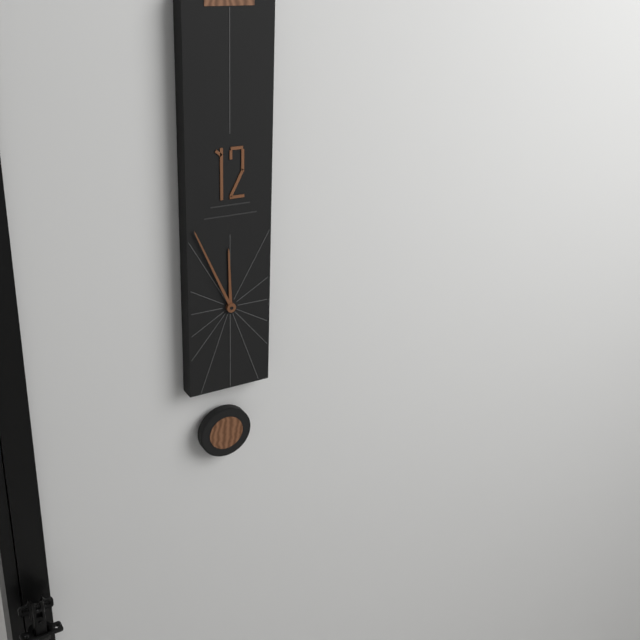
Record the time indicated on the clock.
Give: 11:56
